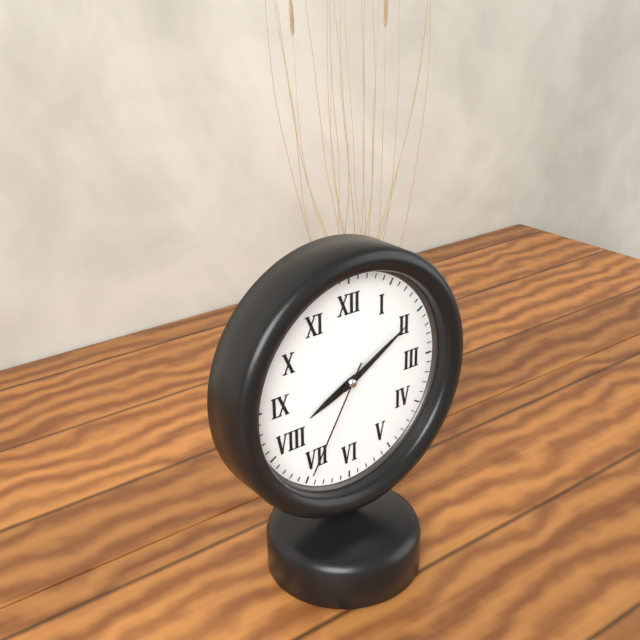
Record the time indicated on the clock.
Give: 8:10:35
